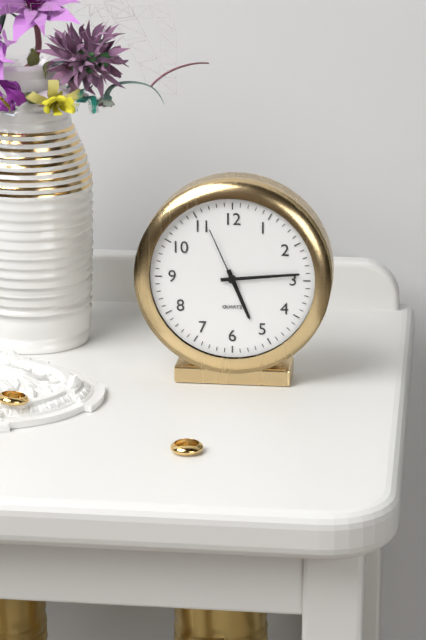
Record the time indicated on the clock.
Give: 5:14:56
